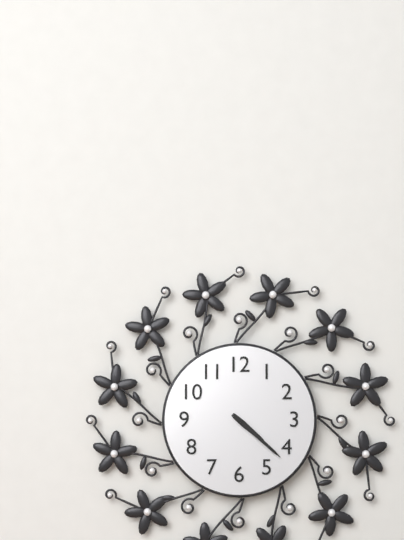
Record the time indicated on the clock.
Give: 4:22
